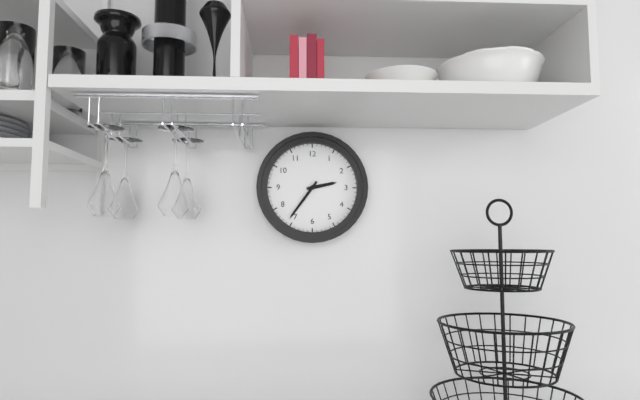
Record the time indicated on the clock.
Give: 2:36
